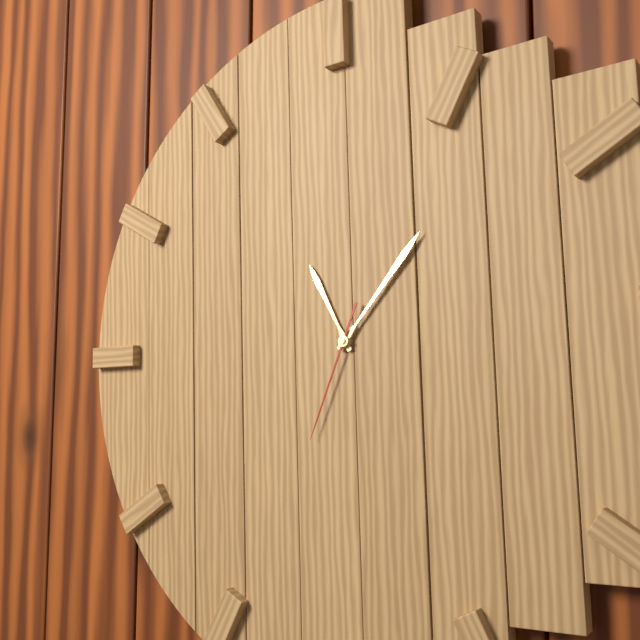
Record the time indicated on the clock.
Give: 11:07:34
